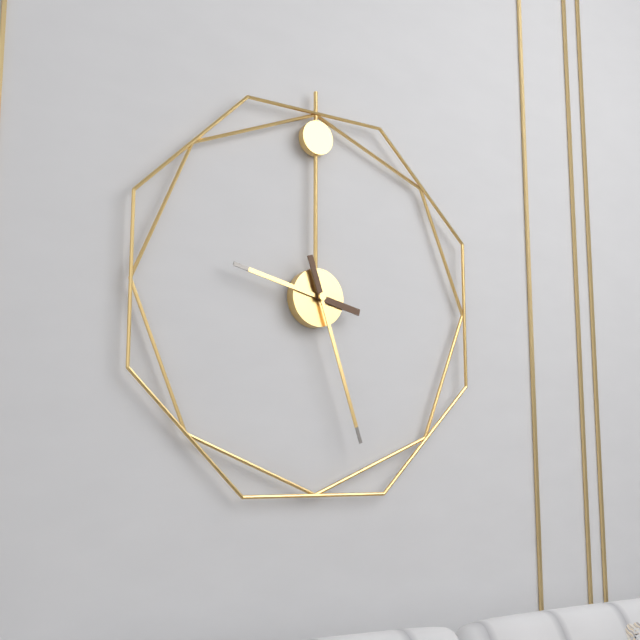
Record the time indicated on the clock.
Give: 9:27
